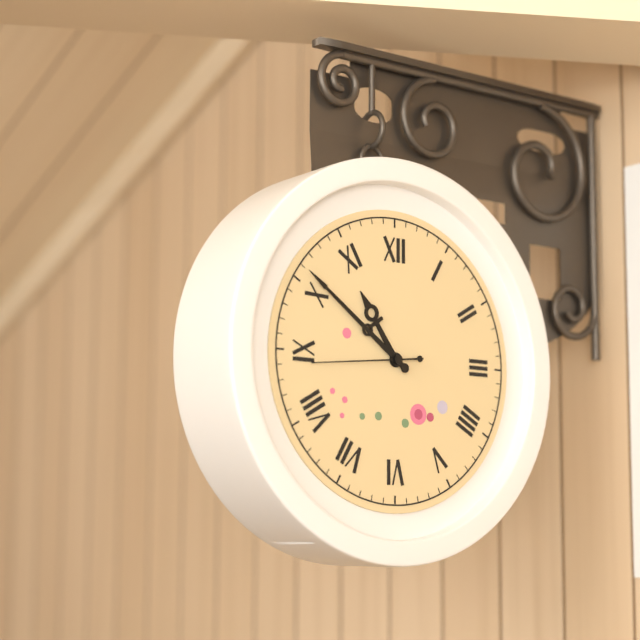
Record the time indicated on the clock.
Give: 10:51:44
